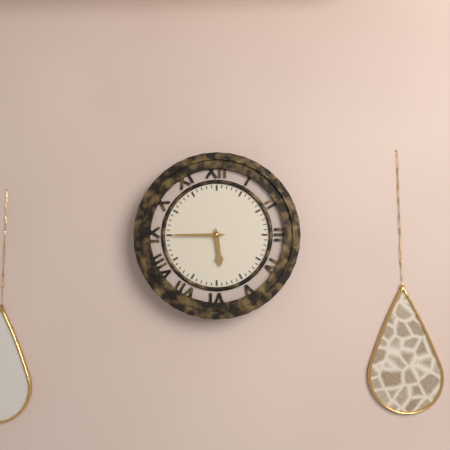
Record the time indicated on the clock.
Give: 5:45
